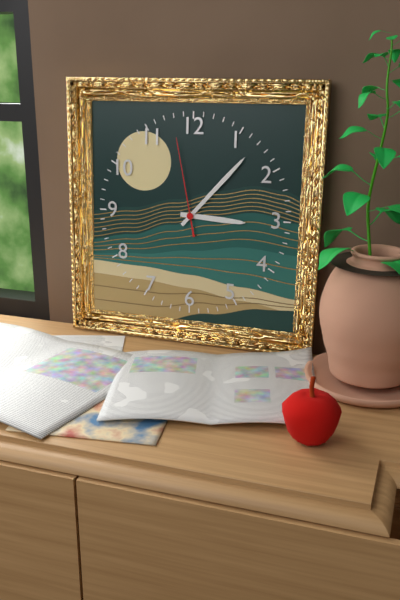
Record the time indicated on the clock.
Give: 3:07:58
